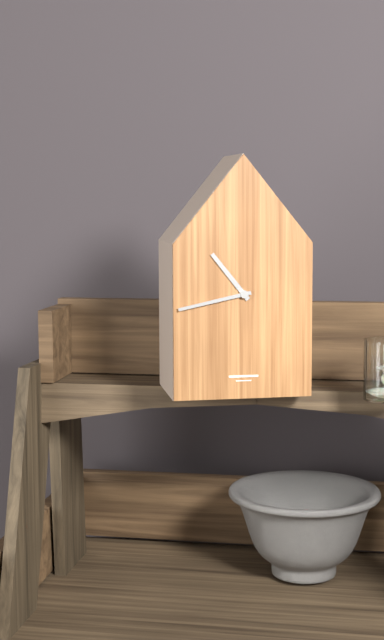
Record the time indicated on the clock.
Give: 10:43
